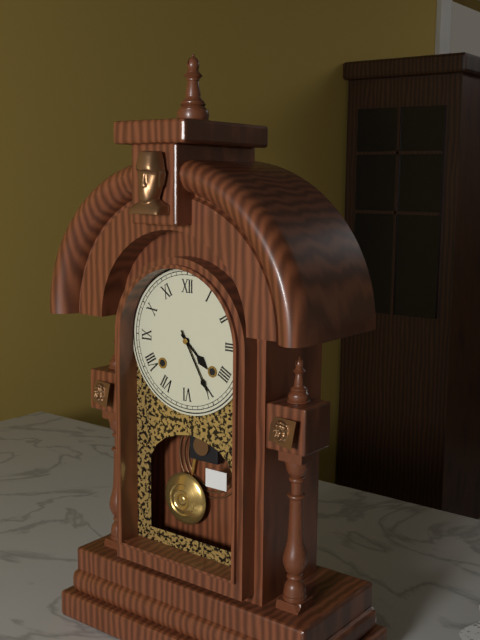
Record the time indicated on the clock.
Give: 4:25
